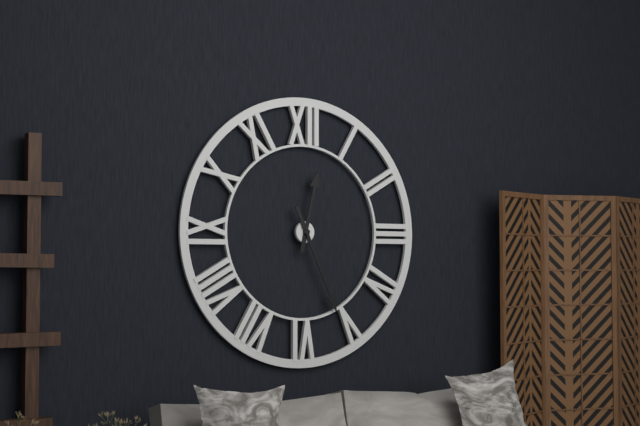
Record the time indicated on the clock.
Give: 12:26
